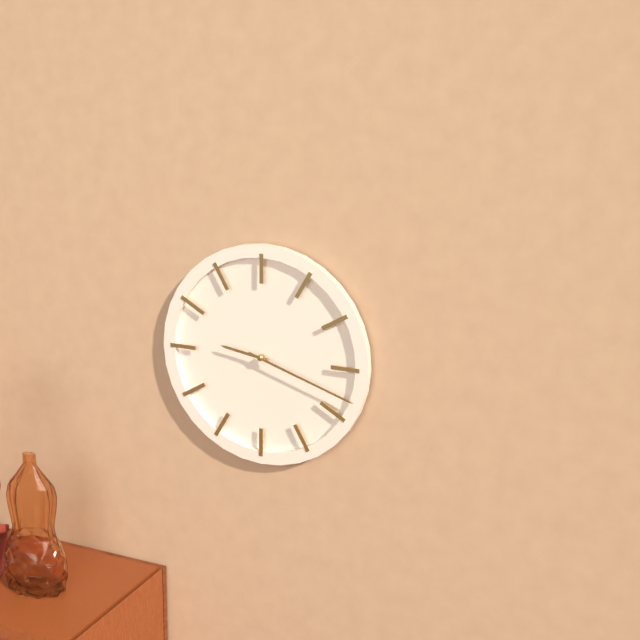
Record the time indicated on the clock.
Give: 9:18
